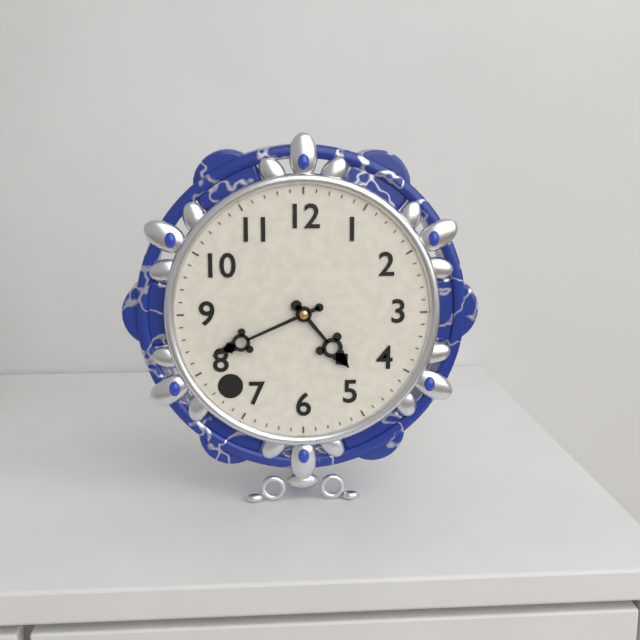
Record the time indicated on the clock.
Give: 4:41
